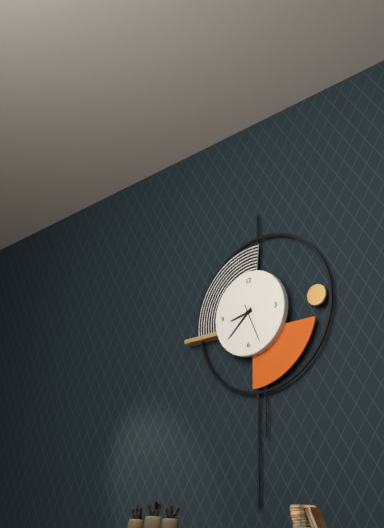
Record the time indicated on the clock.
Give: 8:38
